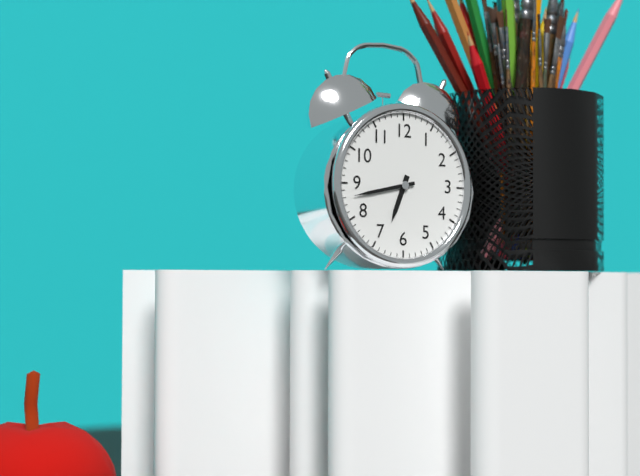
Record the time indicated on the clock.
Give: 6:43
